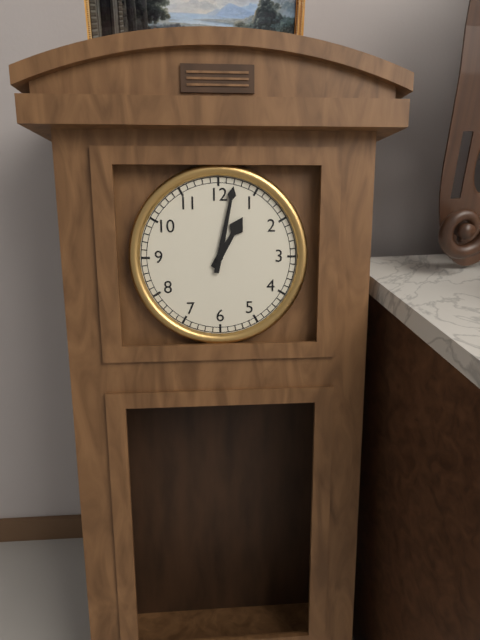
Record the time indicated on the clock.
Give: 1:02
